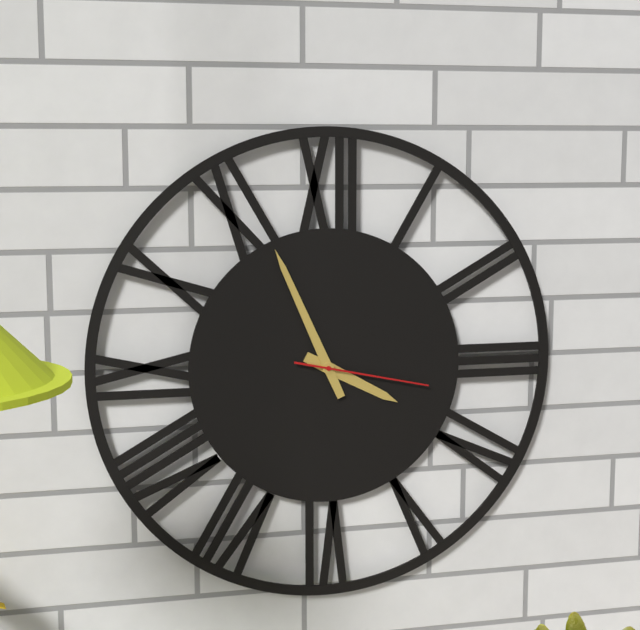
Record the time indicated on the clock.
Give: 3:56:17
